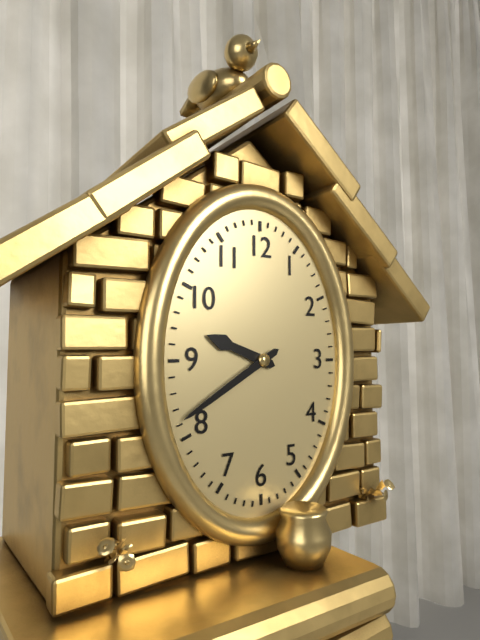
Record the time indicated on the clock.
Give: 9:40
